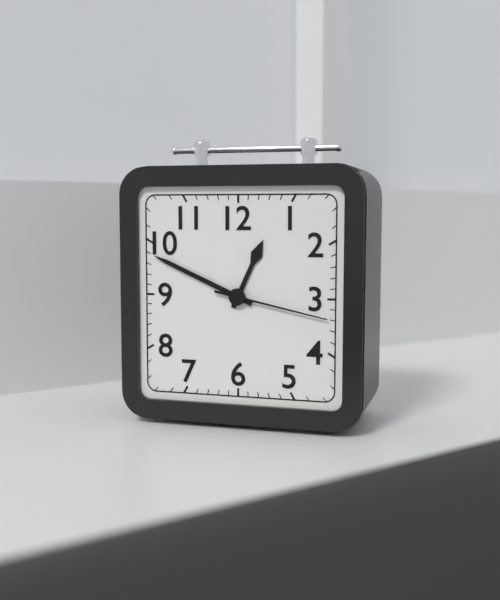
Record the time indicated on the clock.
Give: 12:49:17
